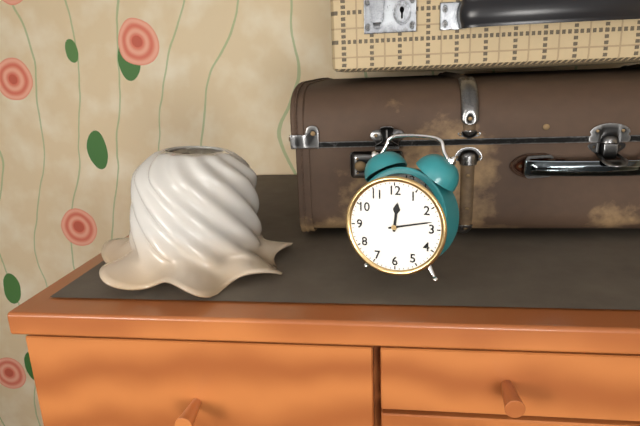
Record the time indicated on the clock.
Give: 12:13
